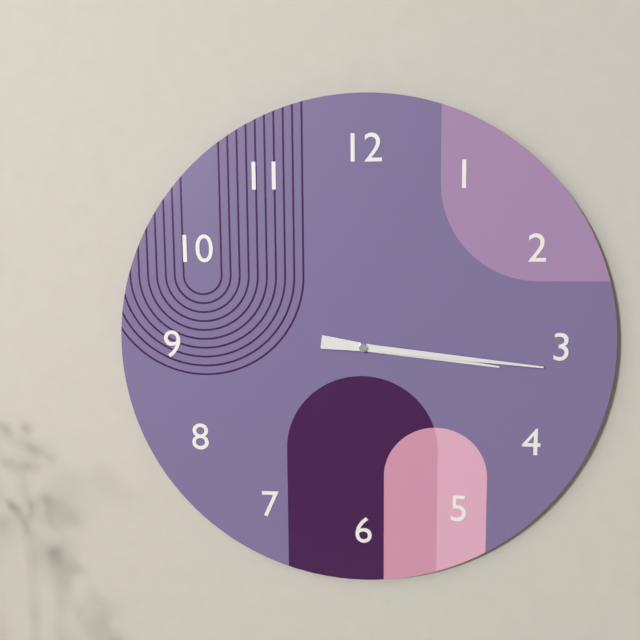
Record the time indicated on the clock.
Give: 3:16
